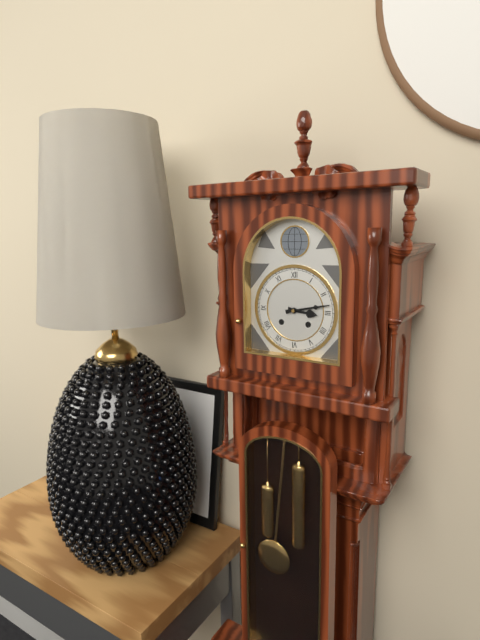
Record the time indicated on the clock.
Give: 3:13
